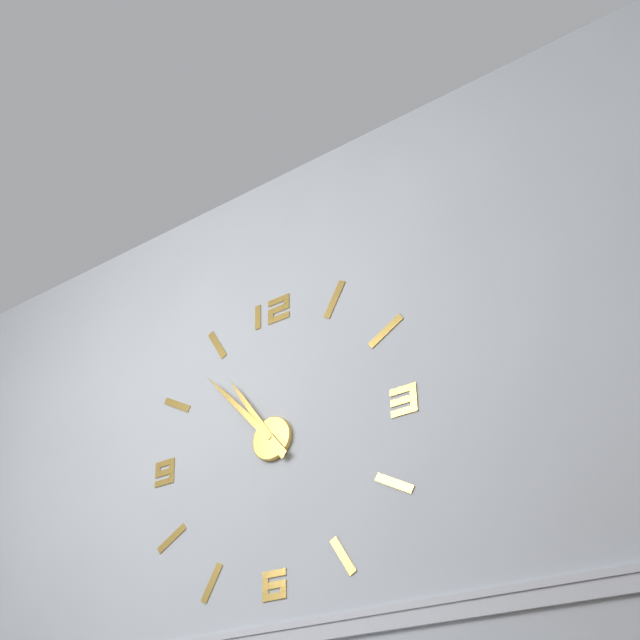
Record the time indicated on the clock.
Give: 10:53
